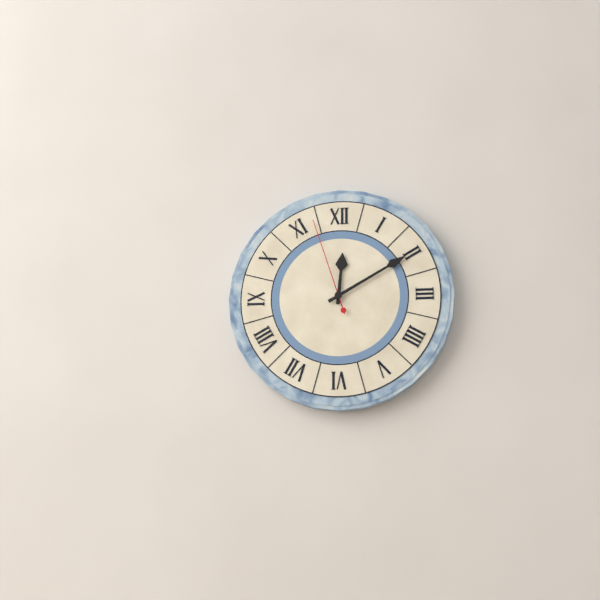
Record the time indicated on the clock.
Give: 12:10:57
